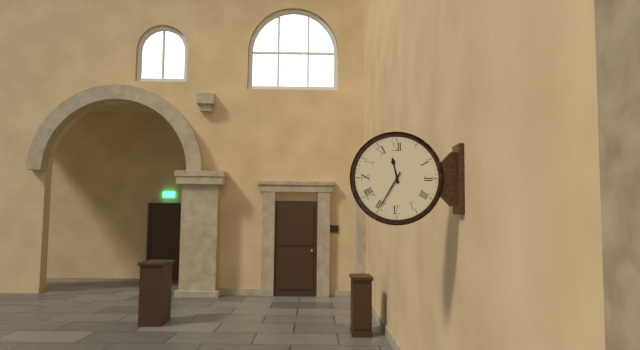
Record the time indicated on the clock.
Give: 11:35
